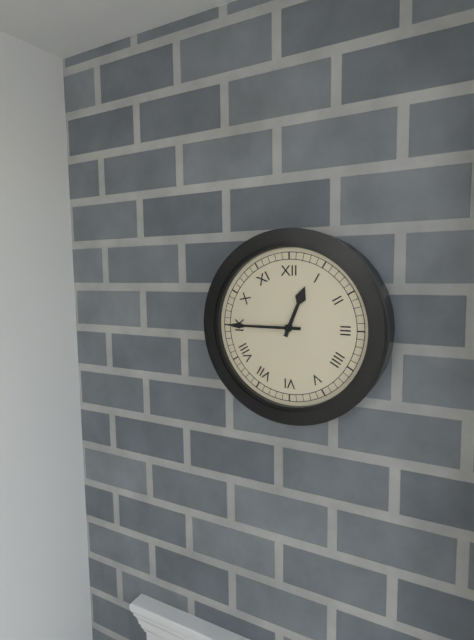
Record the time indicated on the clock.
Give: 12:45
